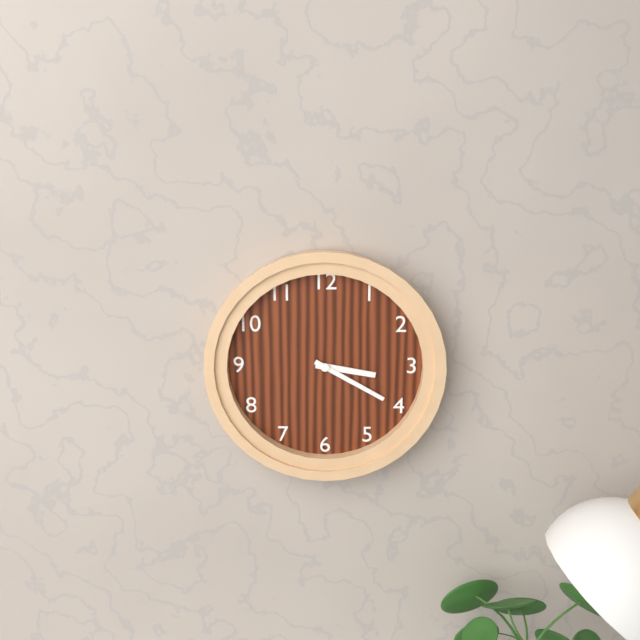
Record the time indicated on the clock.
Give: 3:20
